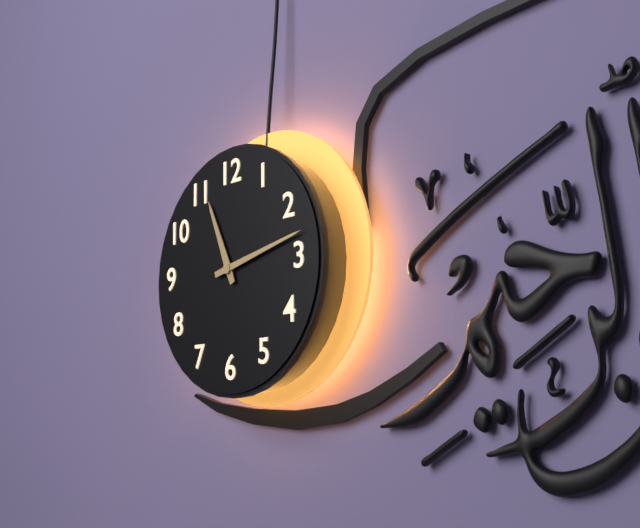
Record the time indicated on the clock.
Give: 11:13
